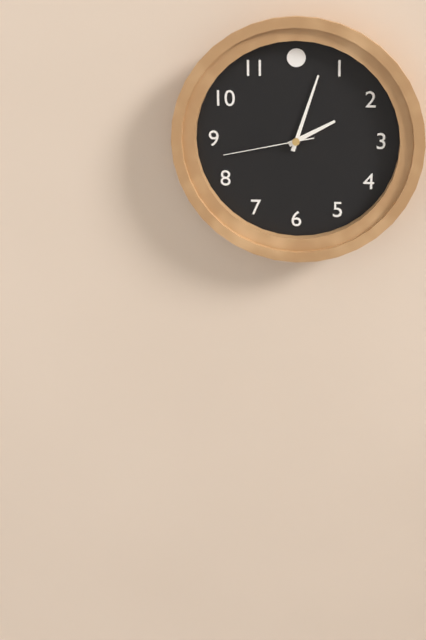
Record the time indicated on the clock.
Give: 2:03:43
